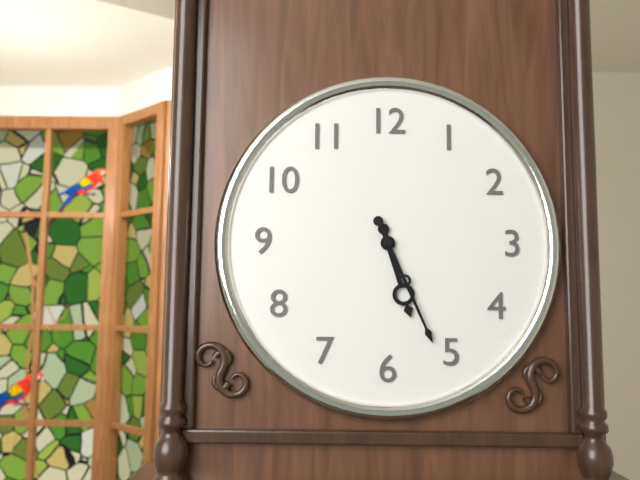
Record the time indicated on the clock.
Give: 5:26
